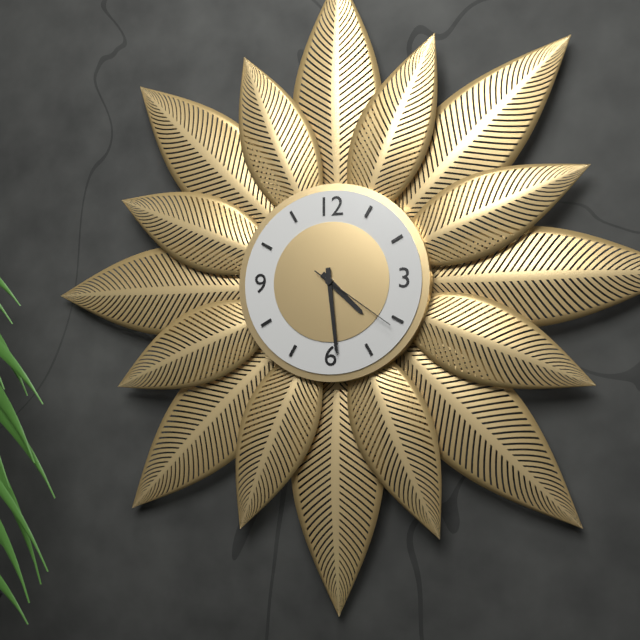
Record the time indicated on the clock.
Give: 4:29:21
